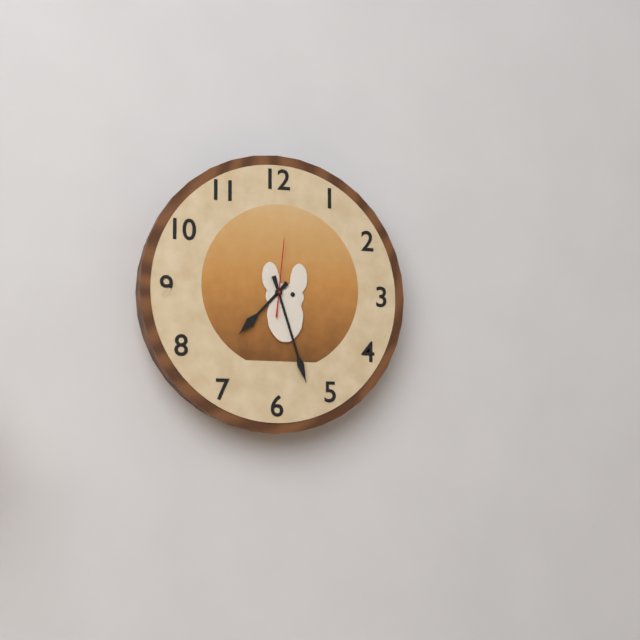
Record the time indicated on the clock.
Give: 7:27:01
